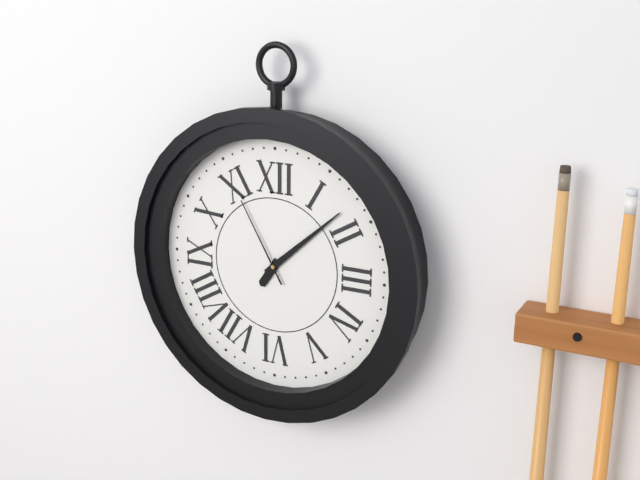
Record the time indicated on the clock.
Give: 7:08:55
